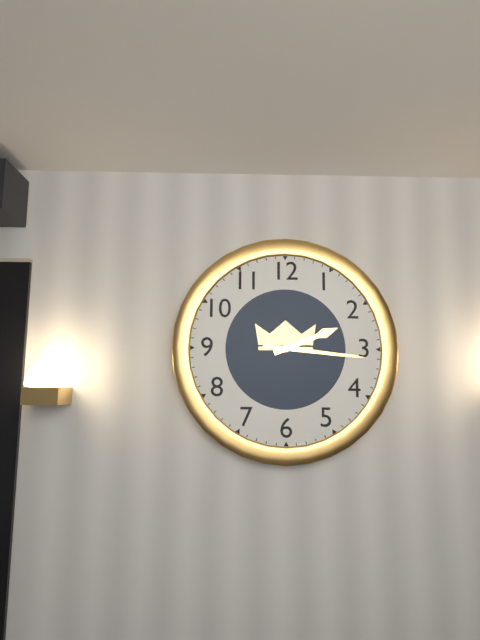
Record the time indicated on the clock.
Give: 2:16
